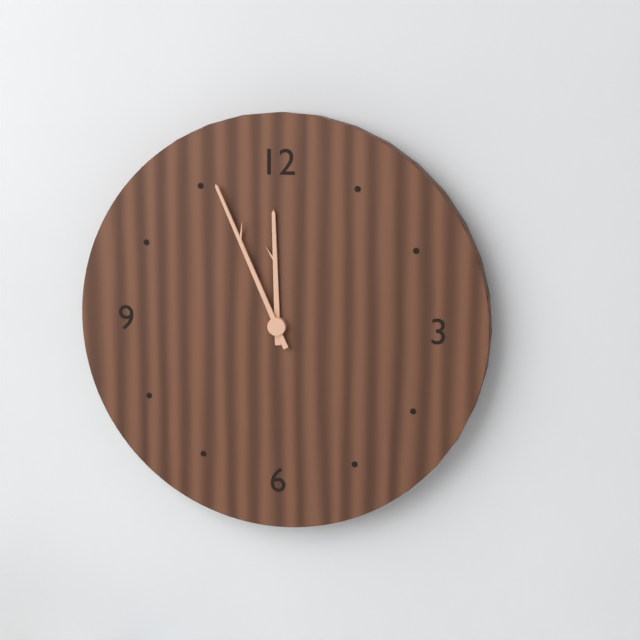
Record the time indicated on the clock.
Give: 11:56
